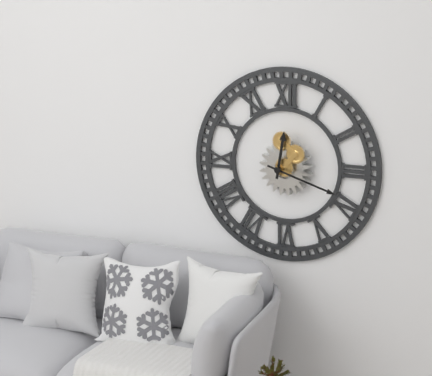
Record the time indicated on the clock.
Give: 12:18
